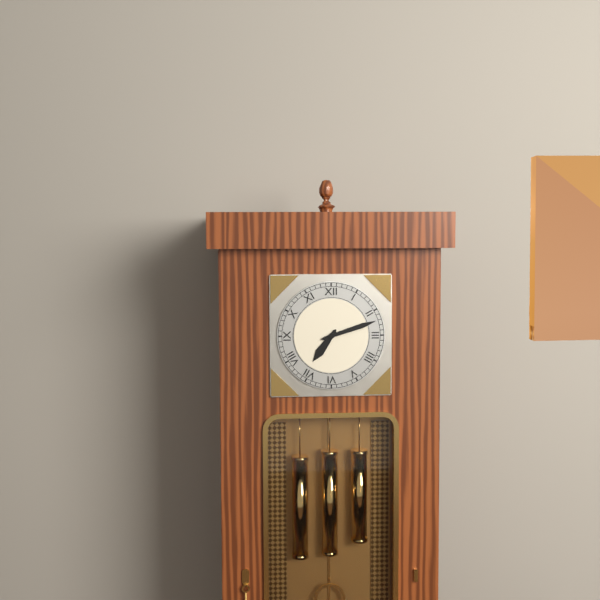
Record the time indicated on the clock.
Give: 7:12
